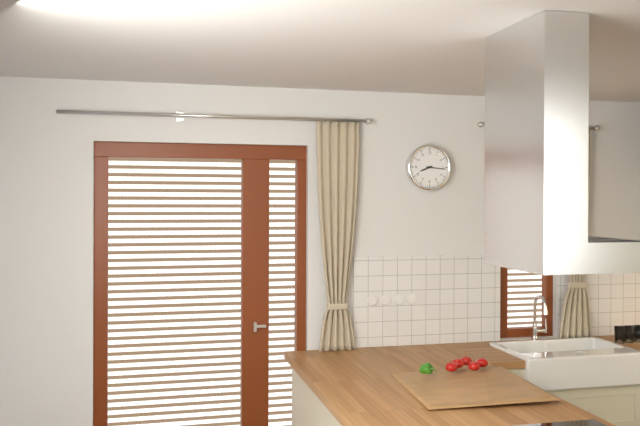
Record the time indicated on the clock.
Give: 8:16
